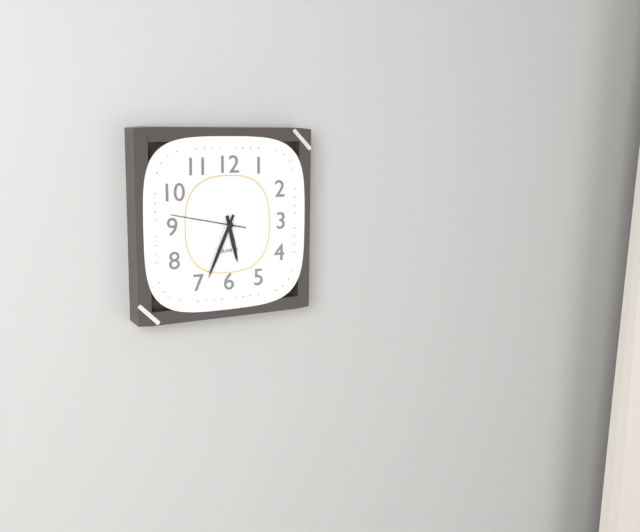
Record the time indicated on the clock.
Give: 5:34:47
